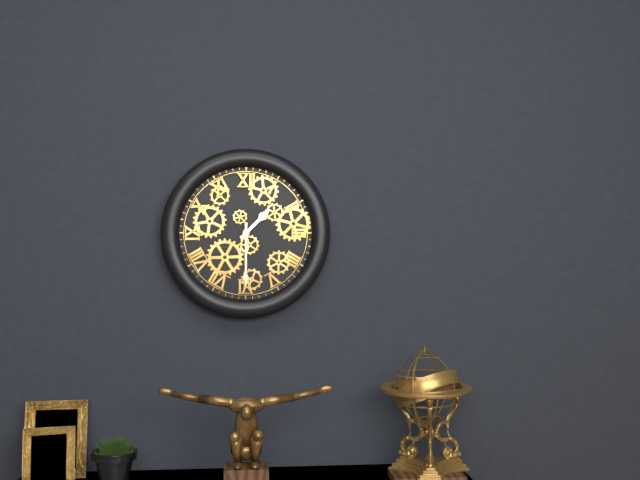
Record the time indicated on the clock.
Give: 1:30
